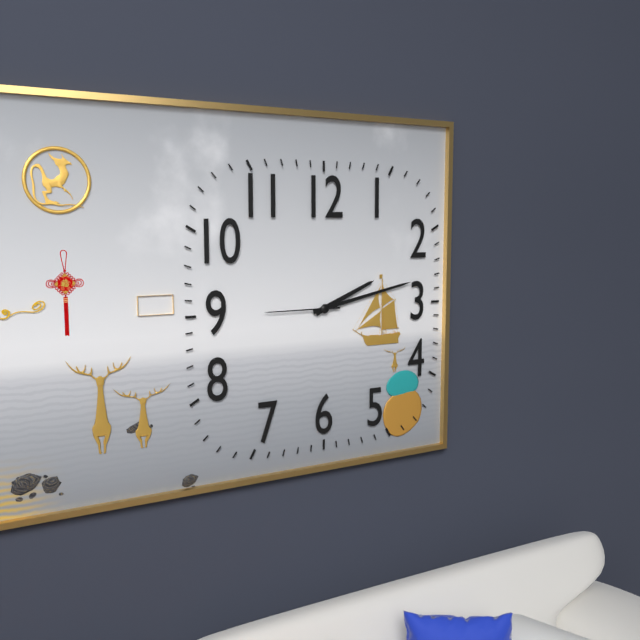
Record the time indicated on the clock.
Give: 2:13:45
